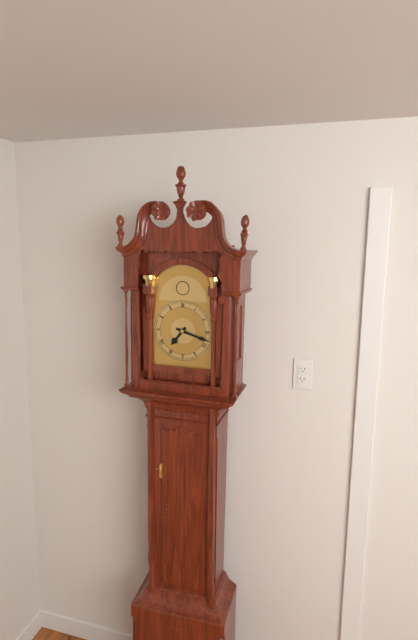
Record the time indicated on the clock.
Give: 7:18
